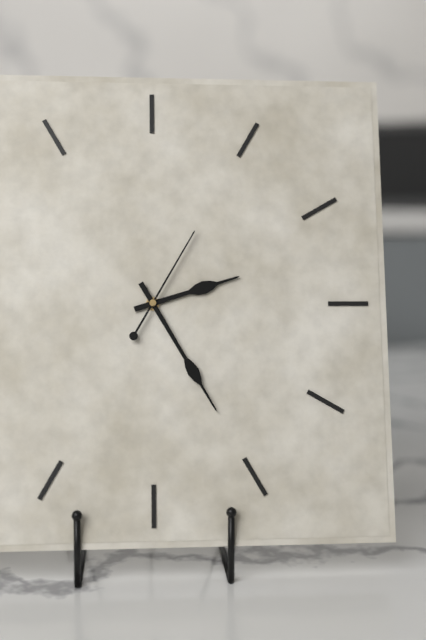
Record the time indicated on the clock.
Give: 2:25:05
